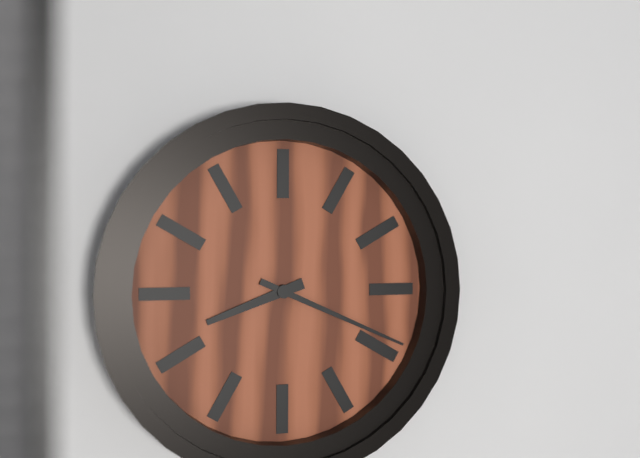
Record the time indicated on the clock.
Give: 8:19
